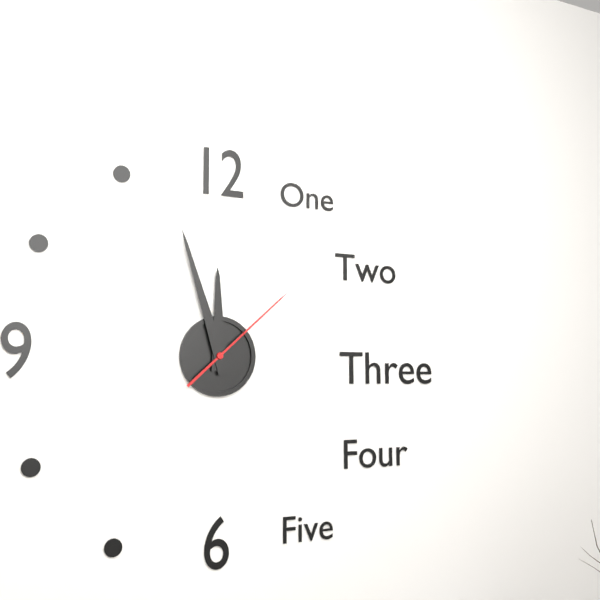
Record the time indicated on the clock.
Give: 11:57:08
